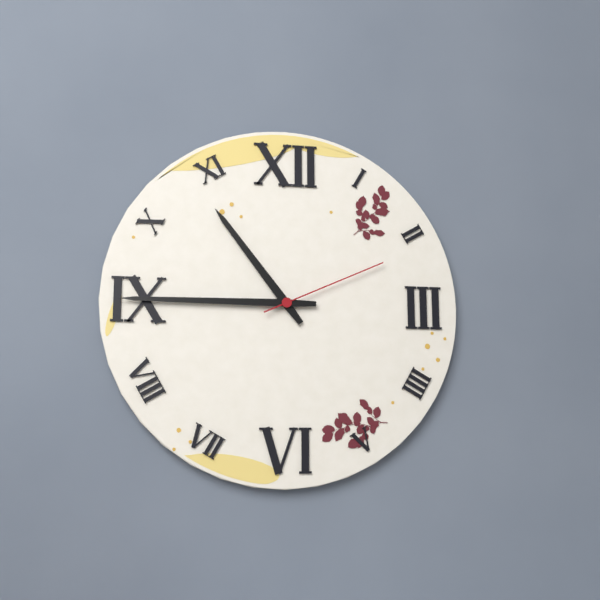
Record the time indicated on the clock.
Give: 10:45:11
